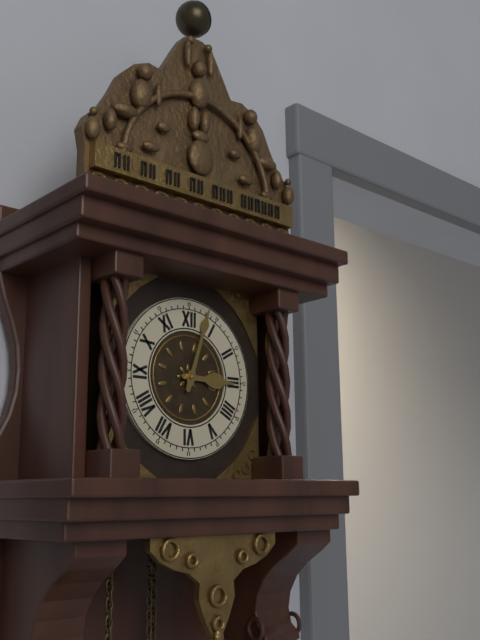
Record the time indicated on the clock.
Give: 3:03
